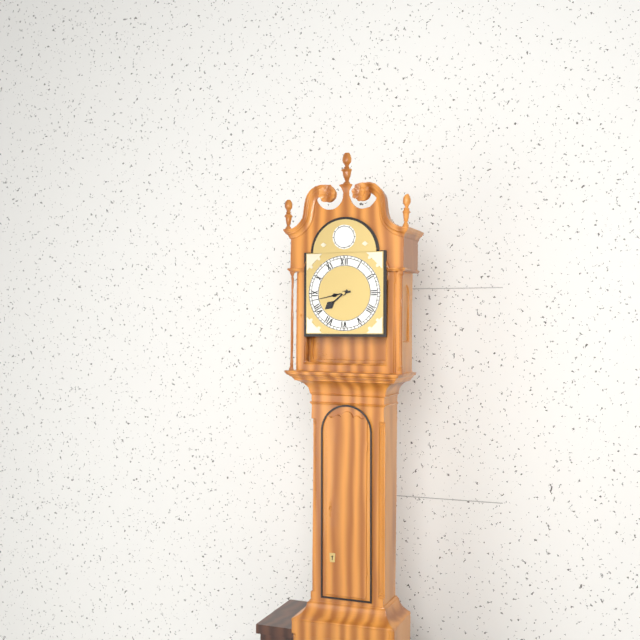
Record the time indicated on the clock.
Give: 7:43
